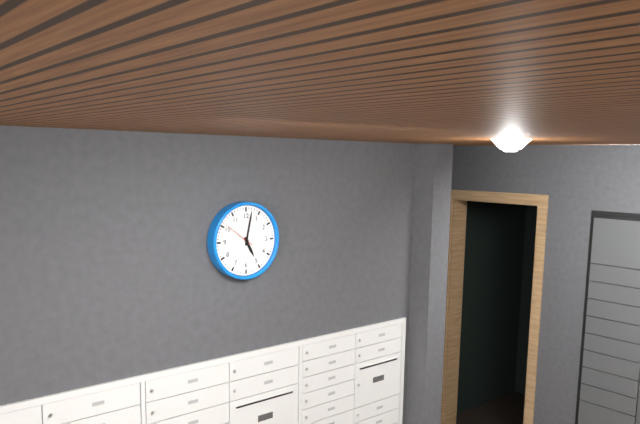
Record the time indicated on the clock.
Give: 5:02
